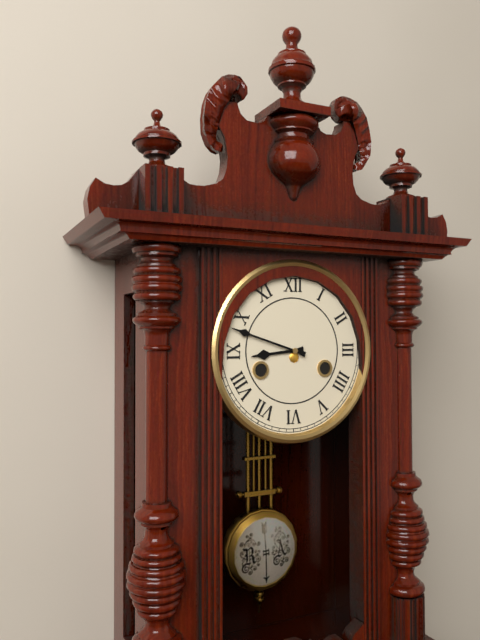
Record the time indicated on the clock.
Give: 8:48
